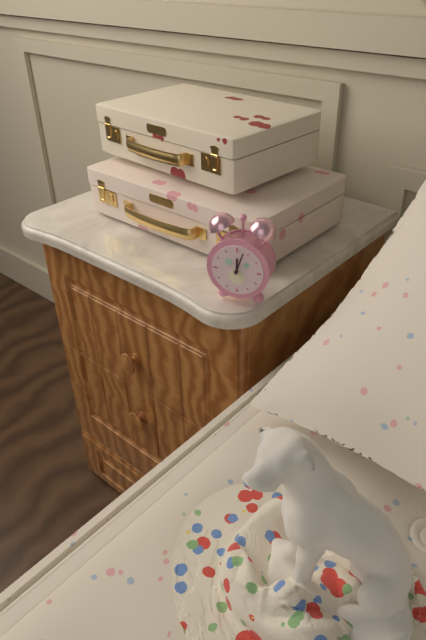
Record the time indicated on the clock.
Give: 12:03
